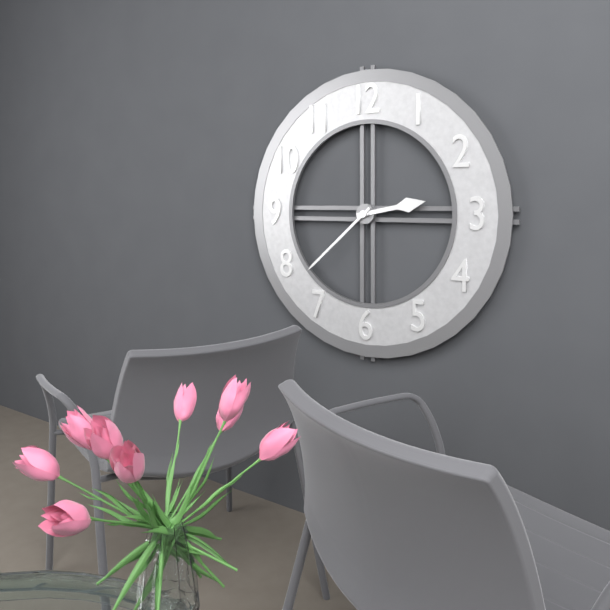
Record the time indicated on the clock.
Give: 2:38
